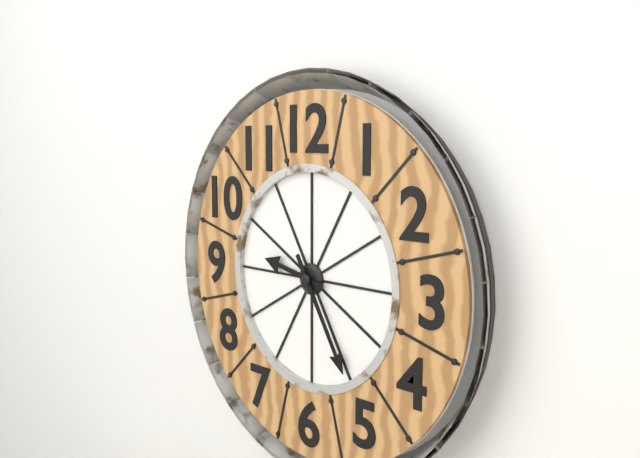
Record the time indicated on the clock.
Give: 9:25
